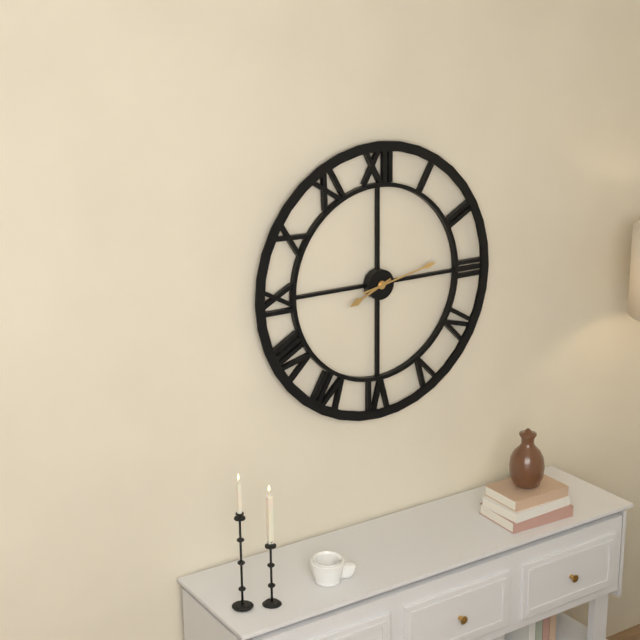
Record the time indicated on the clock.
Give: 8:13
